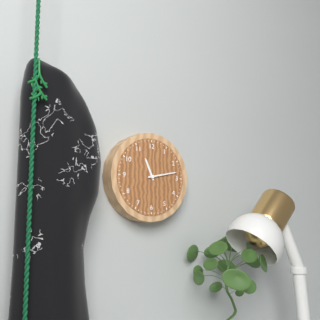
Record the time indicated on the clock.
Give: 11:13
